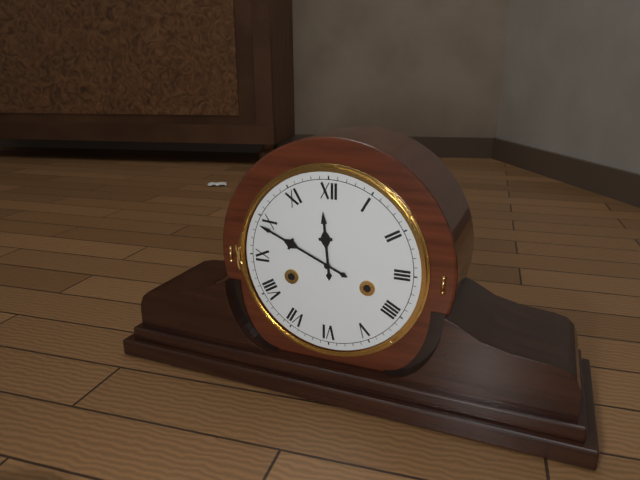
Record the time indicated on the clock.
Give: 11:49
